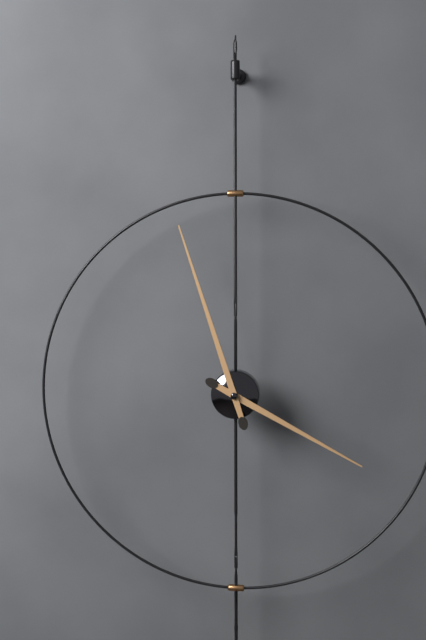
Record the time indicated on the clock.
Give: 3:57
